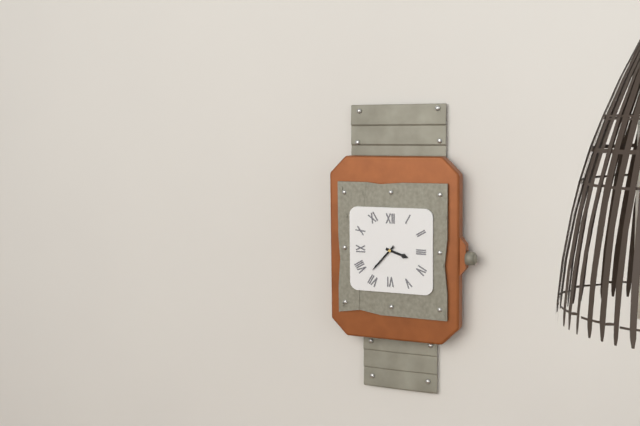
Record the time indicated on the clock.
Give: 3:37
